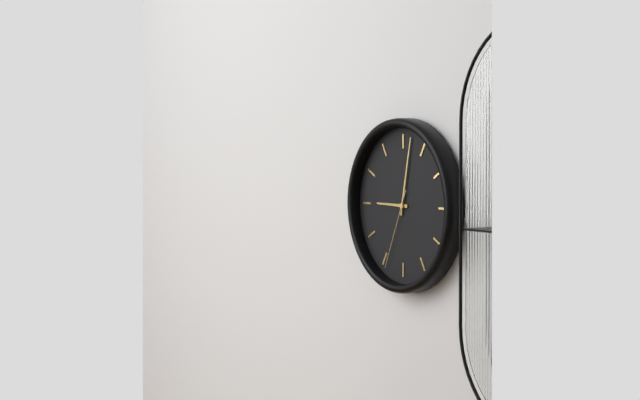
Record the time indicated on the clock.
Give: 9:02:34
